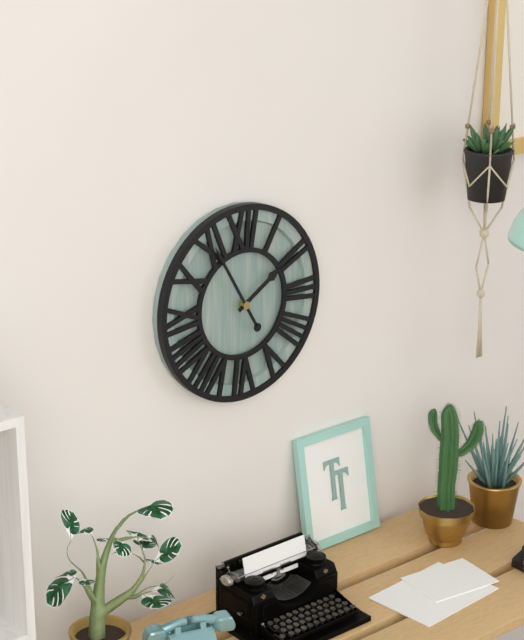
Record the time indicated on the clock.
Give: 1:55
